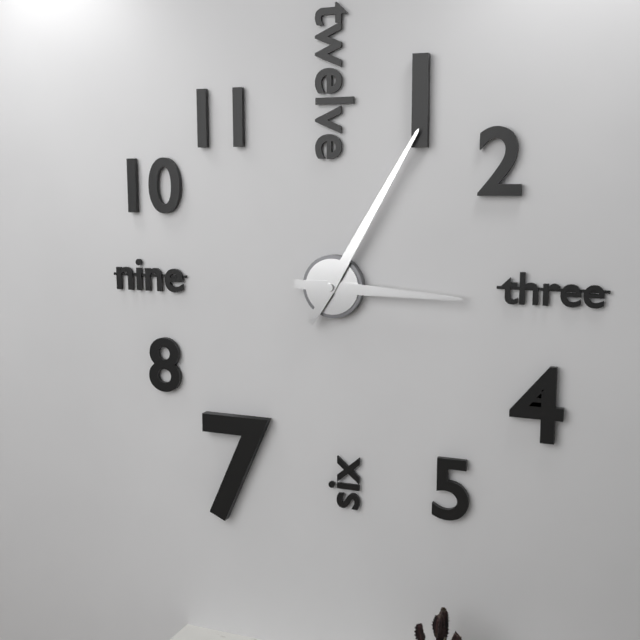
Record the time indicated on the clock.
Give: 3:05
